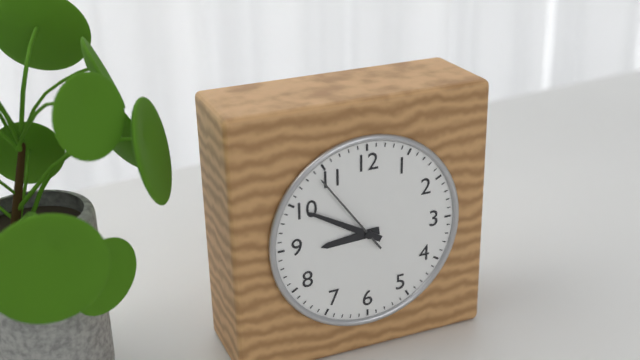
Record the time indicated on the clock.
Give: 8:50:54
